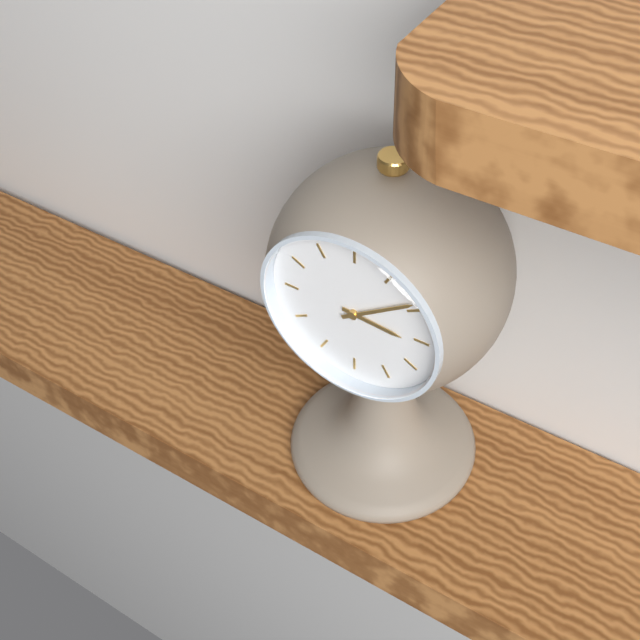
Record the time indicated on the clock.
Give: 3:09
